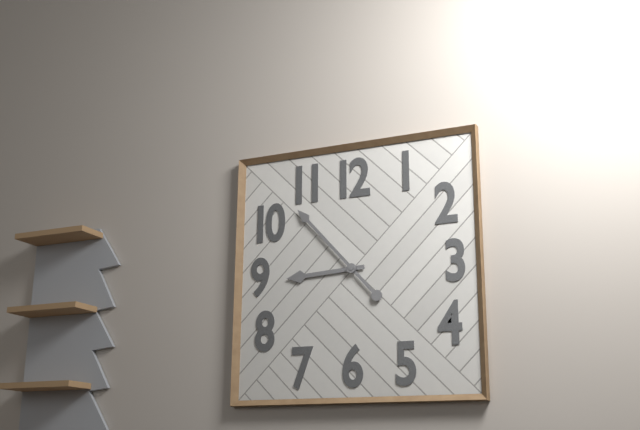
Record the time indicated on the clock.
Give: 8:53
